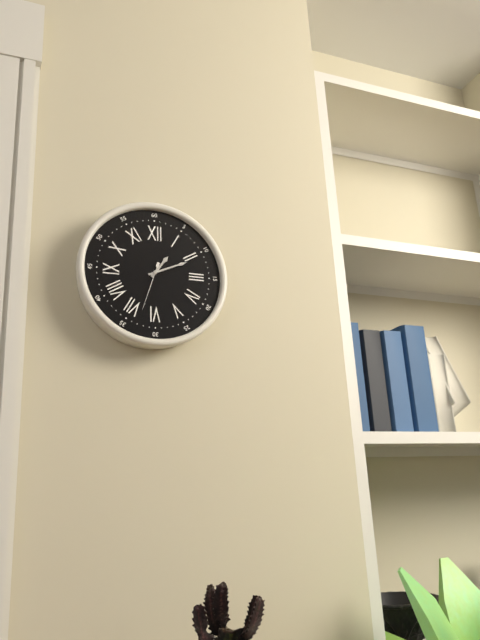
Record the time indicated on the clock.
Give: 1:11
